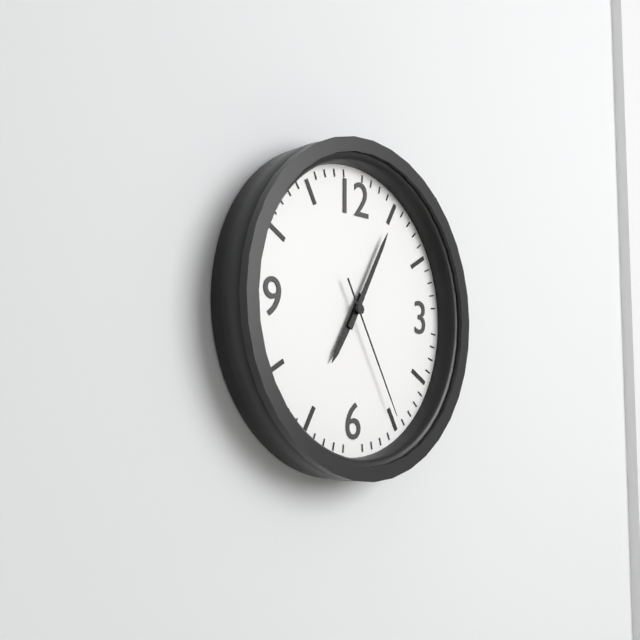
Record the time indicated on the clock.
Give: 7:05:25
